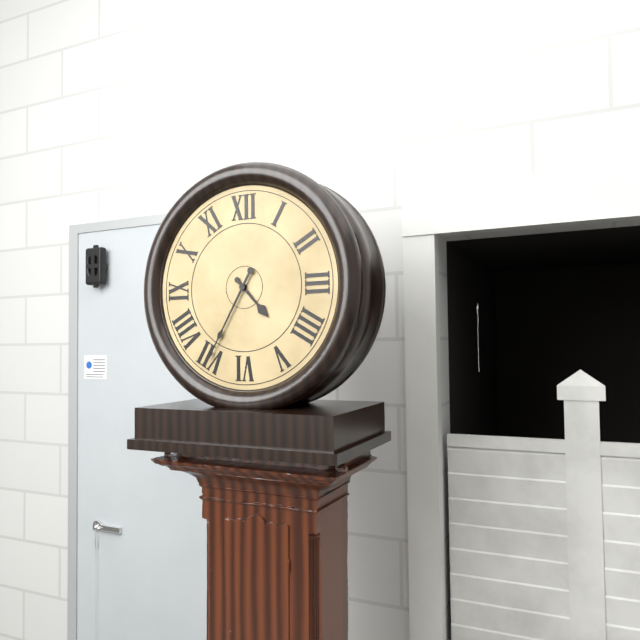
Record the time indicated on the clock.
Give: 4:35
